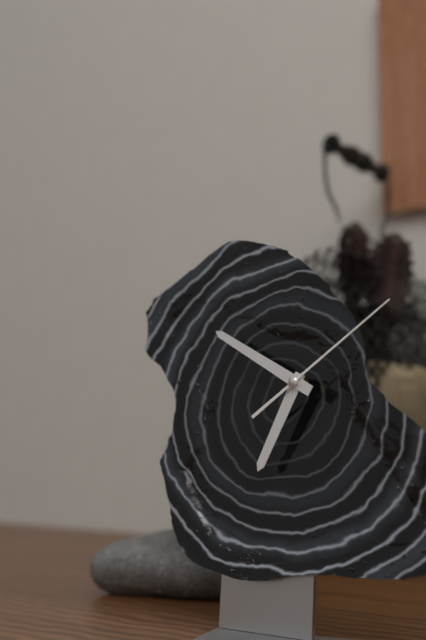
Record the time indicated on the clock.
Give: 6:50:09
